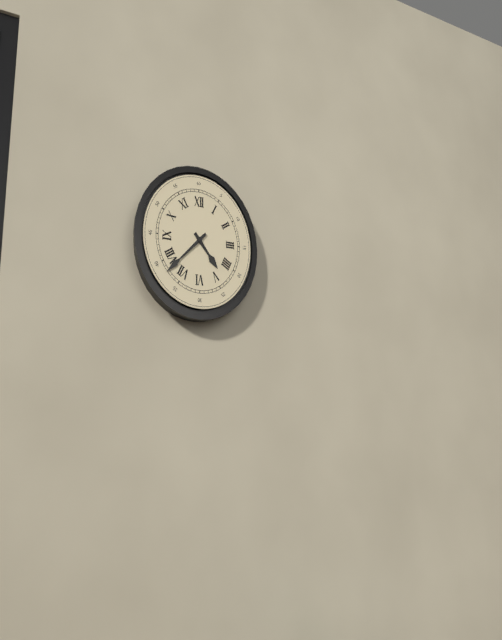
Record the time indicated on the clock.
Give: 4:38
